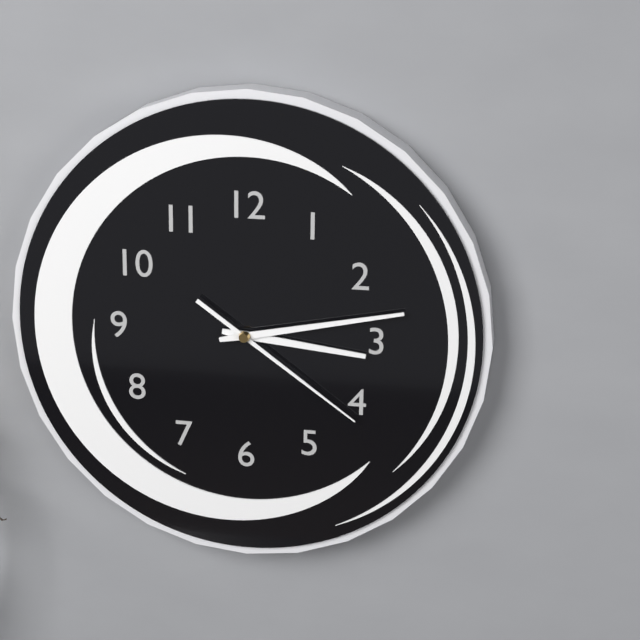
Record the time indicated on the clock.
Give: 3:13:21
